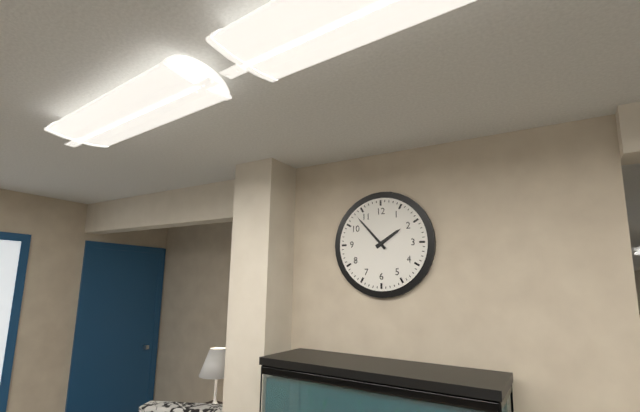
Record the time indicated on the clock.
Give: 1:53
